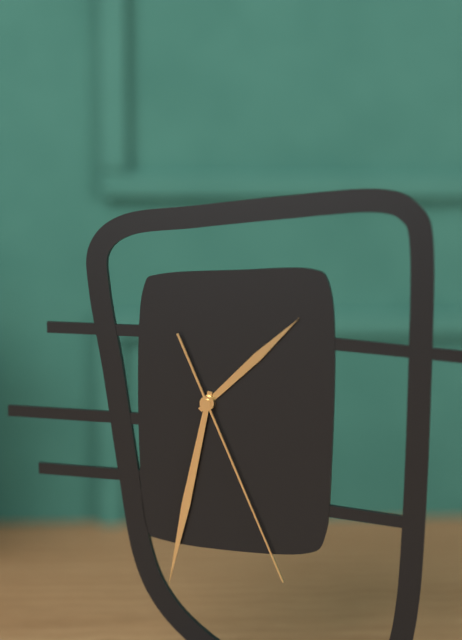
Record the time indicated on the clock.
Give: 1:32:26
